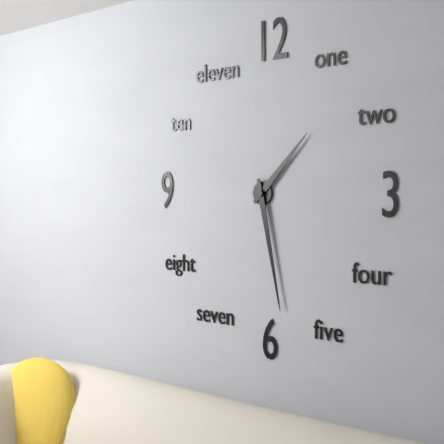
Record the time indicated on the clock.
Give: 1:28
